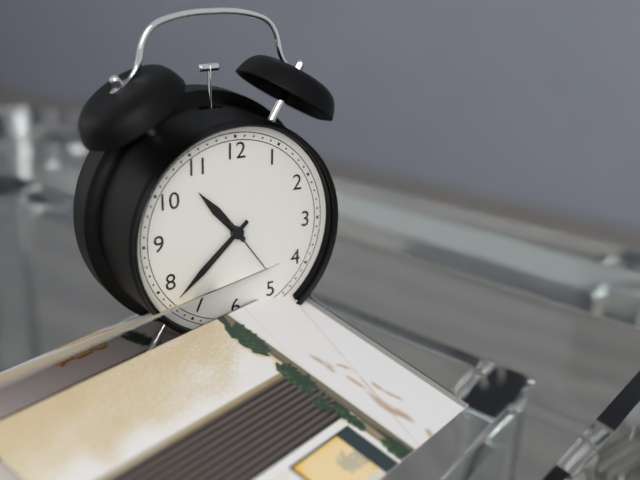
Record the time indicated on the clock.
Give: 10:38:24
